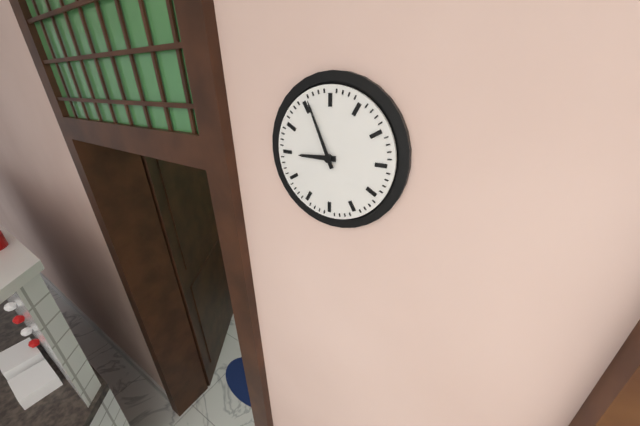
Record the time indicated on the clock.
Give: 8:56
